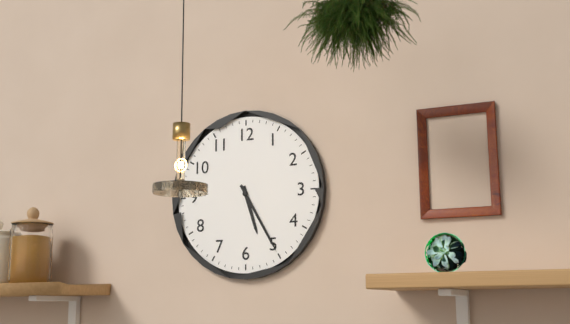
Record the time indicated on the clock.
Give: 5:25
